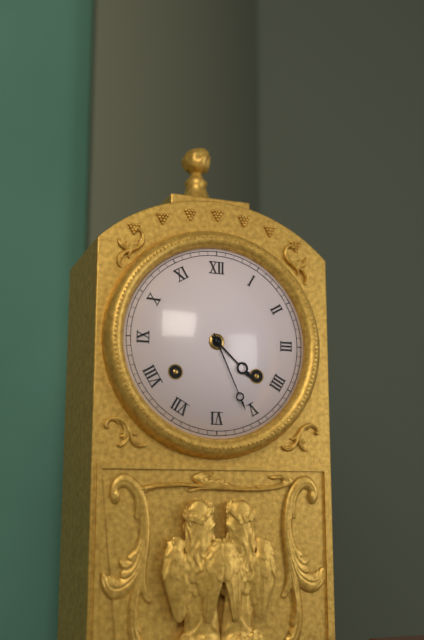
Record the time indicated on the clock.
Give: 4:26
